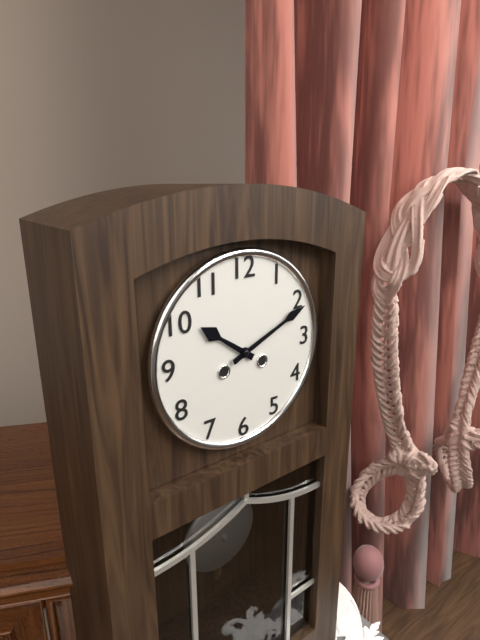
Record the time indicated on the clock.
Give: 10:11
